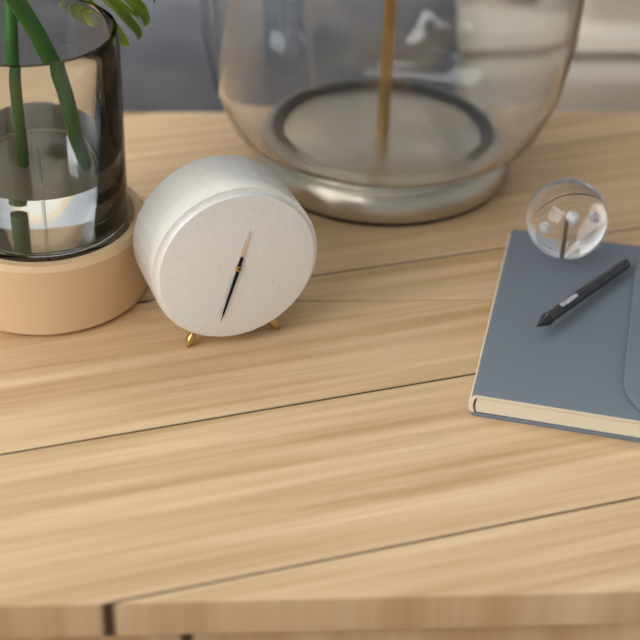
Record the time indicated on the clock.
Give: 12:33
